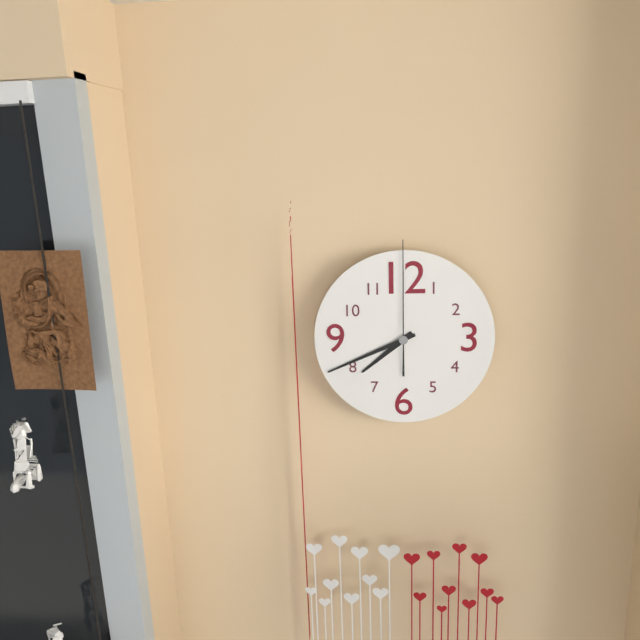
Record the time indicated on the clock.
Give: 7:41:00
